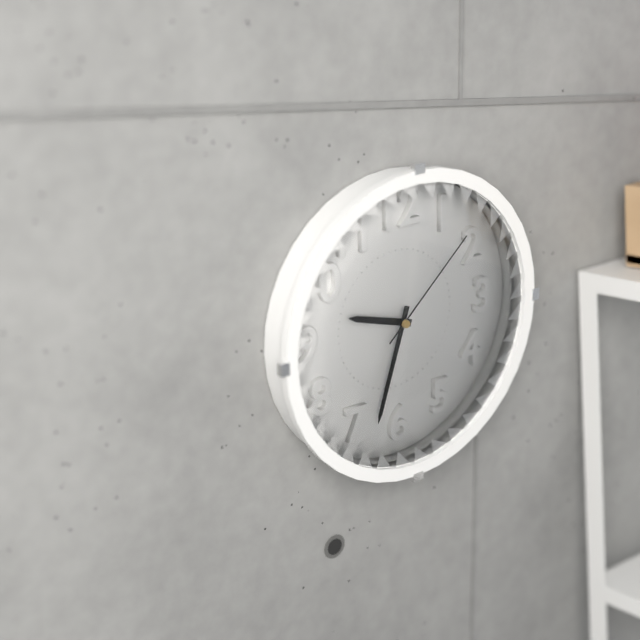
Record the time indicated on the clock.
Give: 9:33:08
